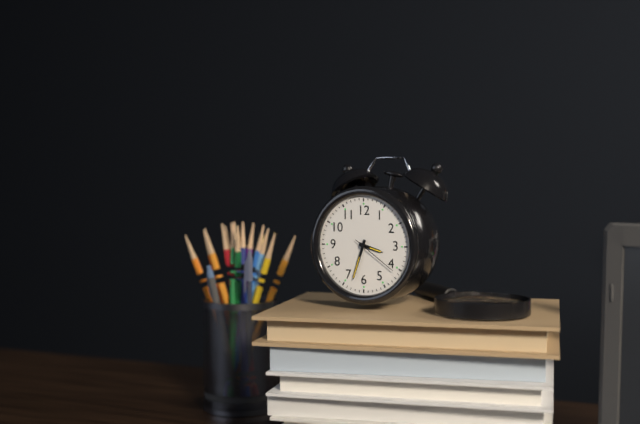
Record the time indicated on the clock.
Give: 3:33
